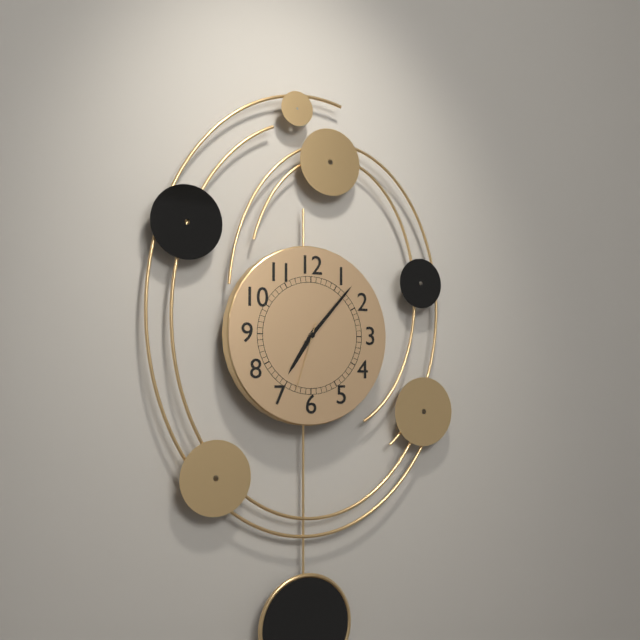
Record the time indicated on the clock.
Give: 7:07:33
